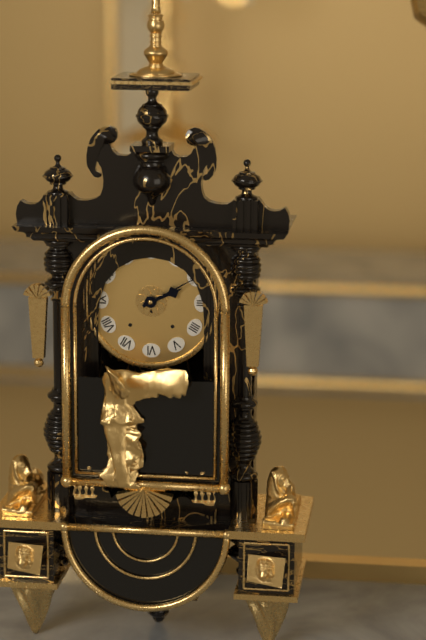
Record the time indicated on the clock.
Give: 2:10
